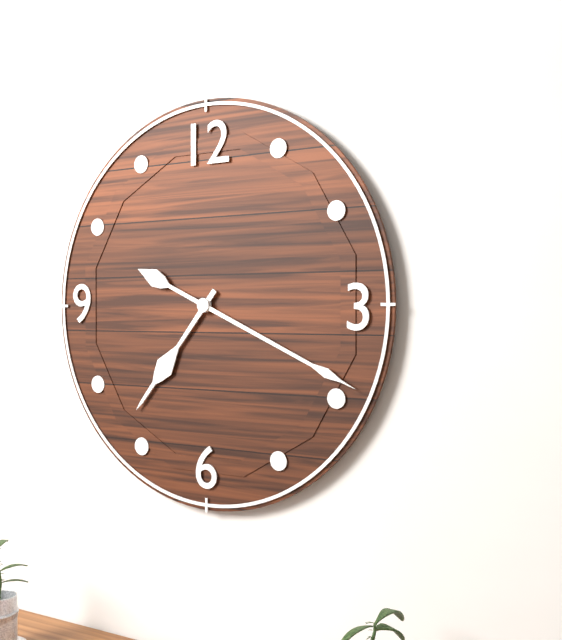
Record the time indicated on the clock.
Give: 7:19
